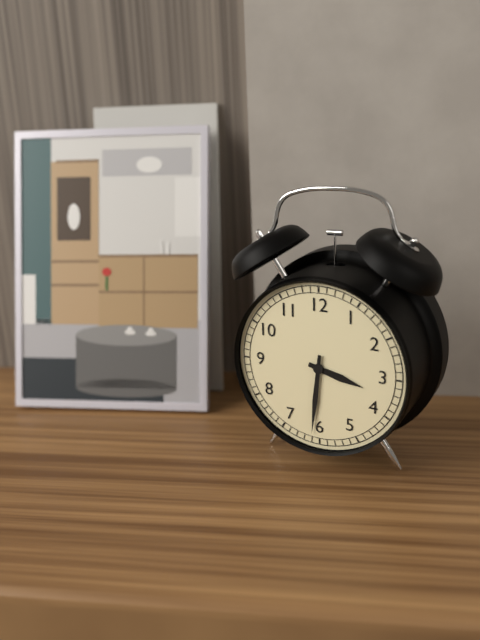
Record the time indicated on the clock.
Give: 3:31
